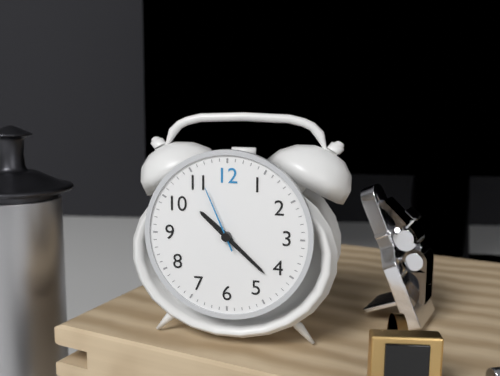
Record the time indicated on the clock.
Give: 10:22:56
